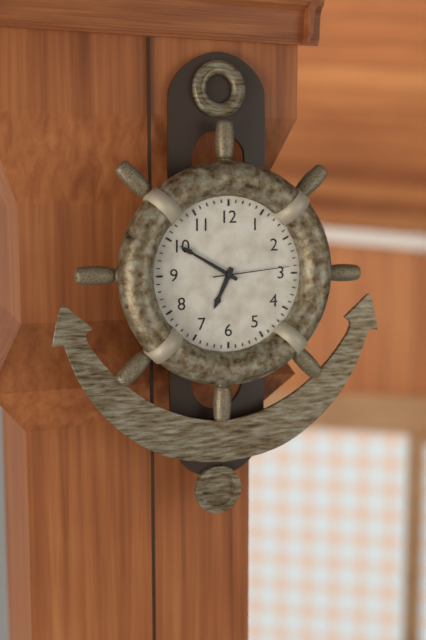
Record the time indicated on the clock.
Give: 6:50:14
